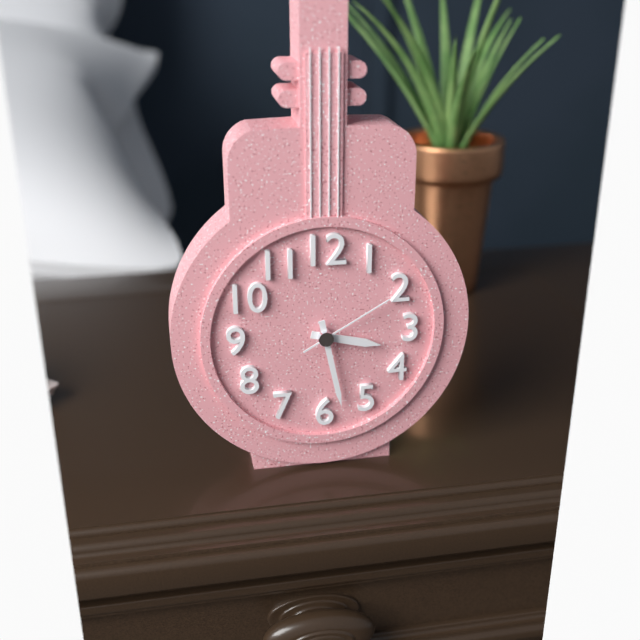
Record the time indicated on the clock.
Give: 3:28:10
